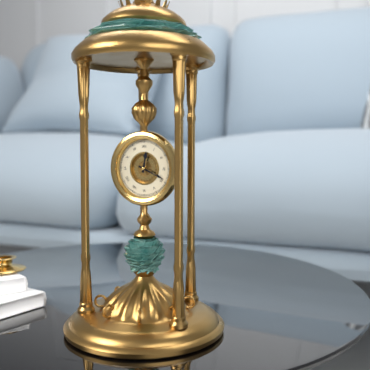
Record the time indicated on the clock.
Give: 12:19
